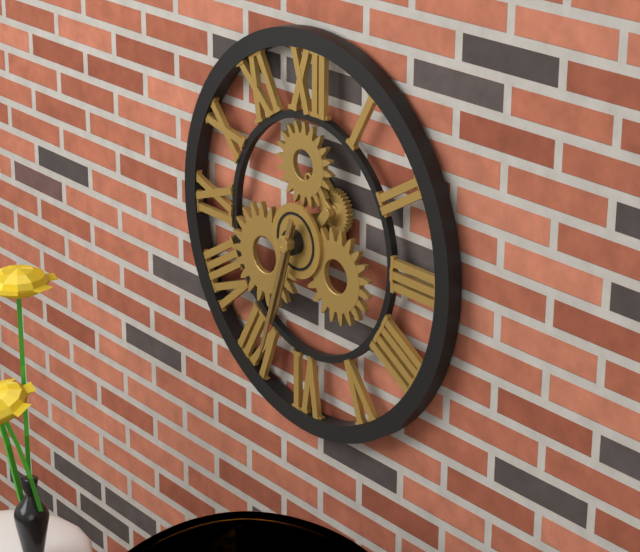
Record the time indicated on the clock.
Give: 6:33
